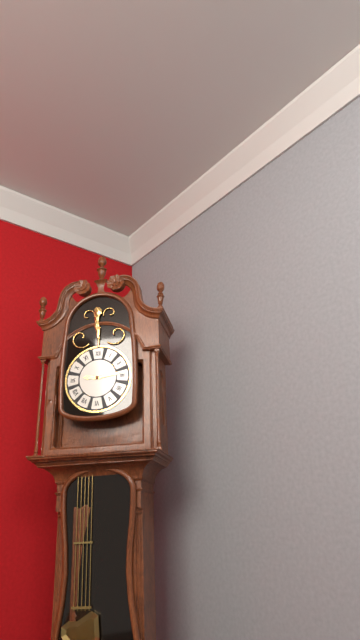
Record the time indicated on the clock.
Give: 9:14
